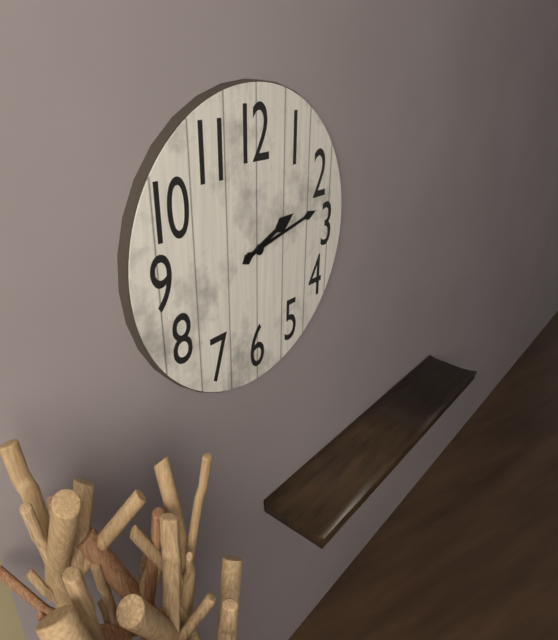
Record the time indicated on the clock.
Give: 2:13
